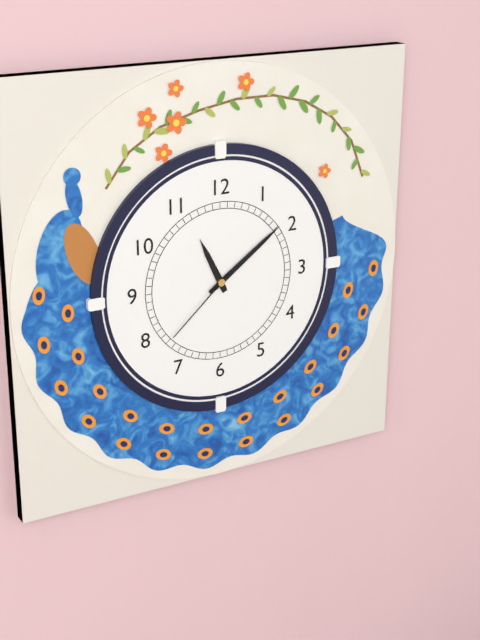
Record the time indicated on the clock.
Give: 11:09:38
